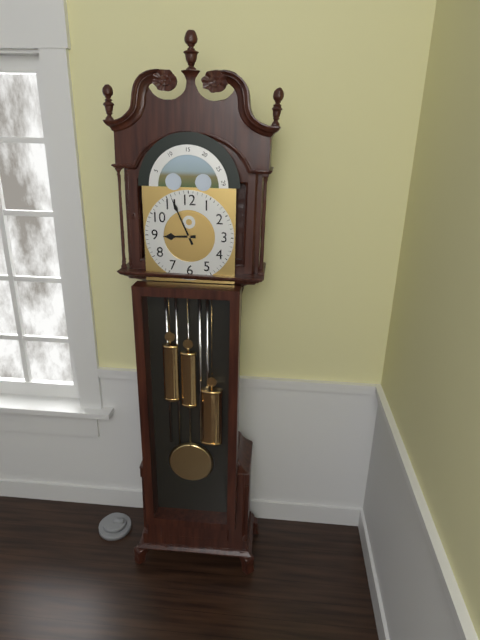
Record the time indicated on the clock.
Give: 8:56
